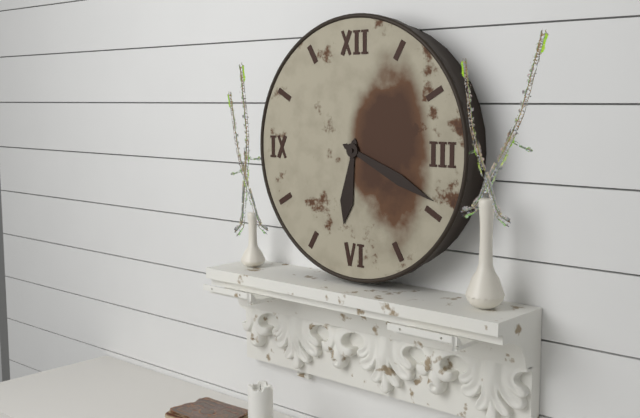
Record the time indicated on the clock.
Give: 6:19
